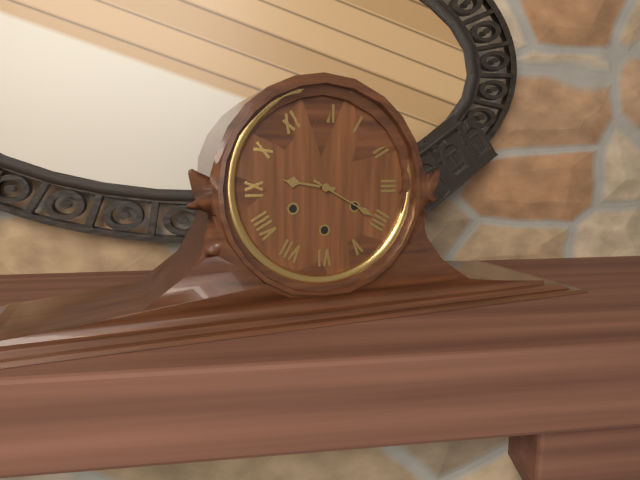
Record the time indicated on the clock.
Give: 9:20
